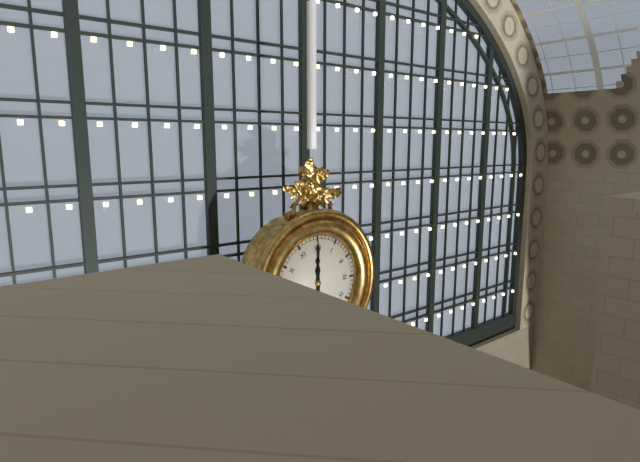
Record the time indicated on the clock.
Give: 12:00
